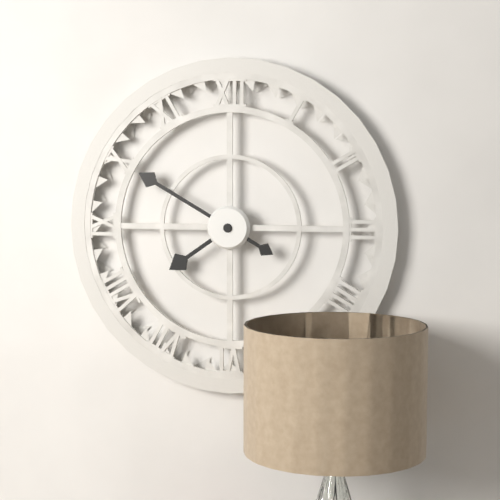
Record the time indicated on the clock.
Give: 7:50
